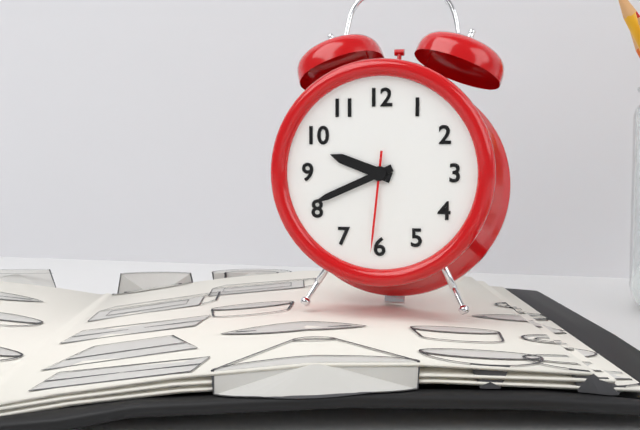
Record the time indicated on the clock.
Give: 9:41:31
